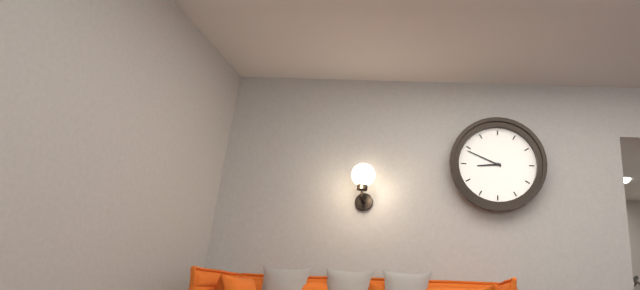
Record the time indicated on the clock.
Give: 8:49
